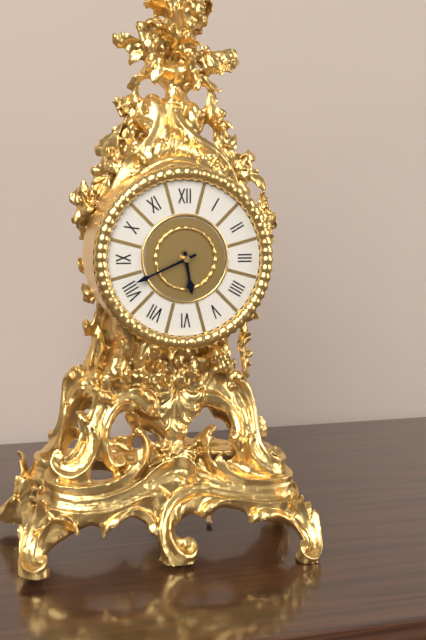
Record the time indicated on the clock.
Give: 5:41
